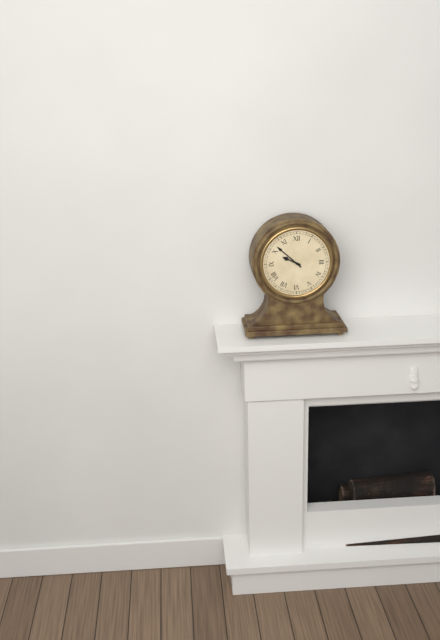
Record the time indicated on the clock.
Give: 9:52
